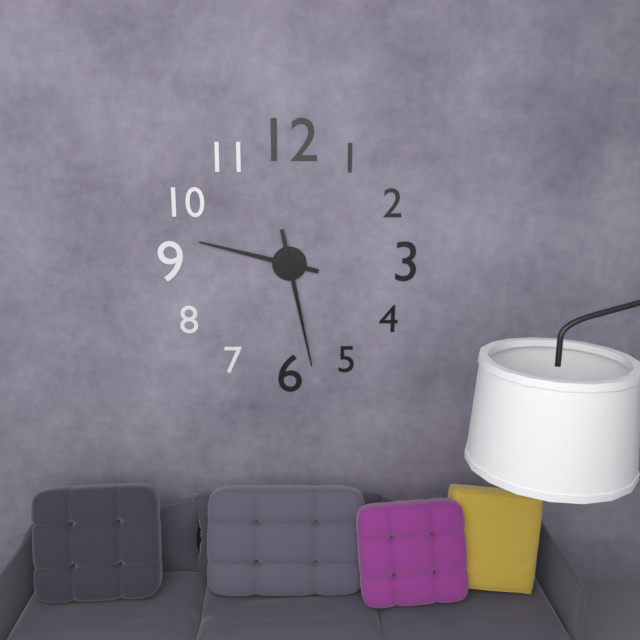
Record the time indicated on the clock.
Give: 9:28
